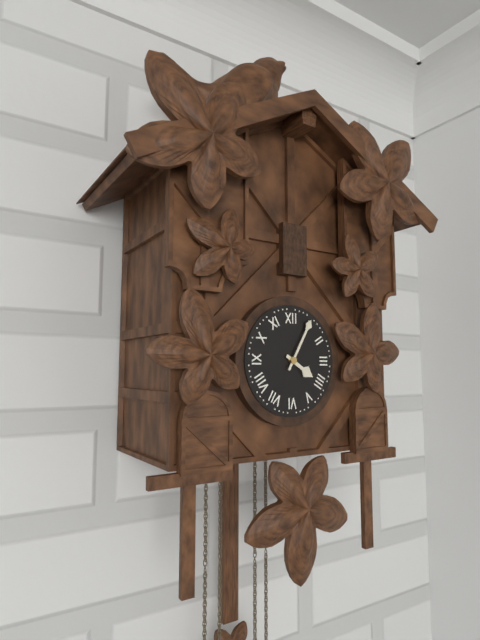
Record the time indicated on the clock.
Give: 4:05
